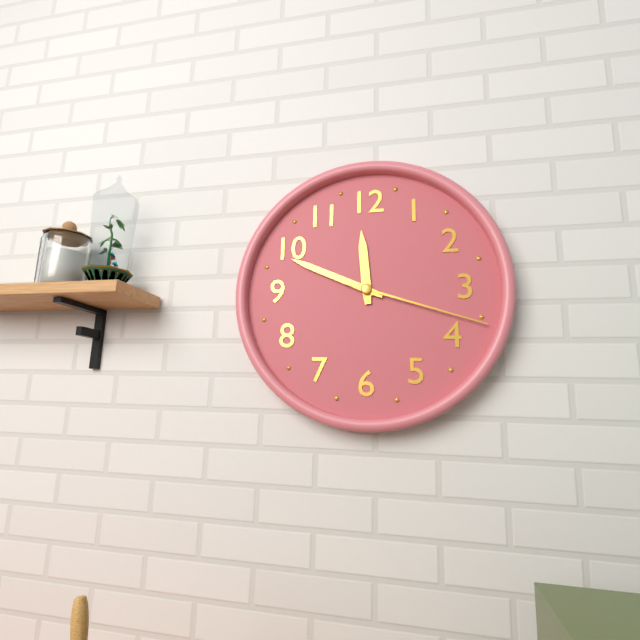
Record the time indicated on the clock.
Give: 11:49:18
